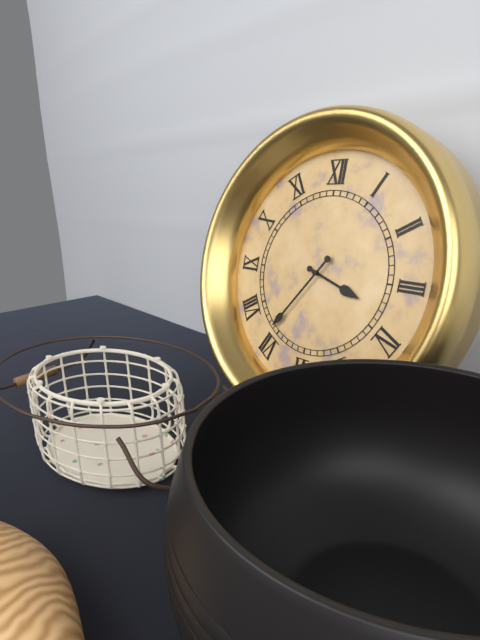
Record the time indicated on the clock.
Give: 3:36
